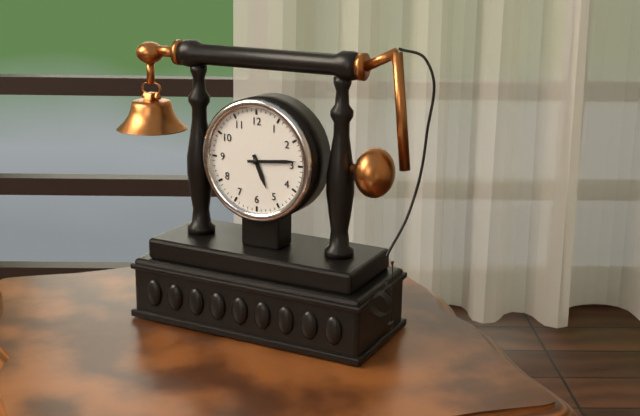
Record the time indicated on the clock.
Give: 5:14
